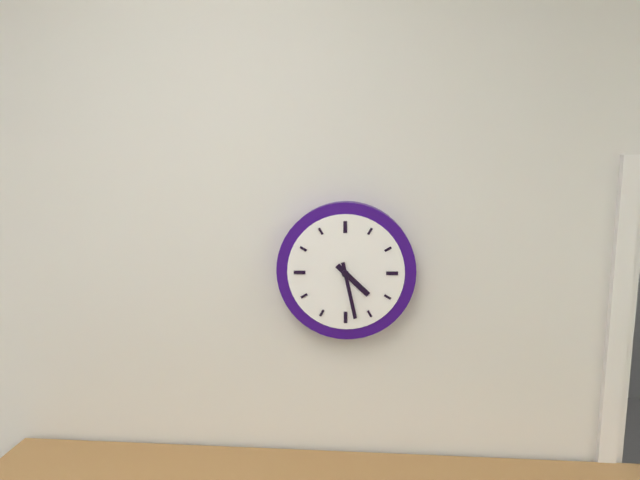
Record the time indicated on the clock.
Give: 4:28
